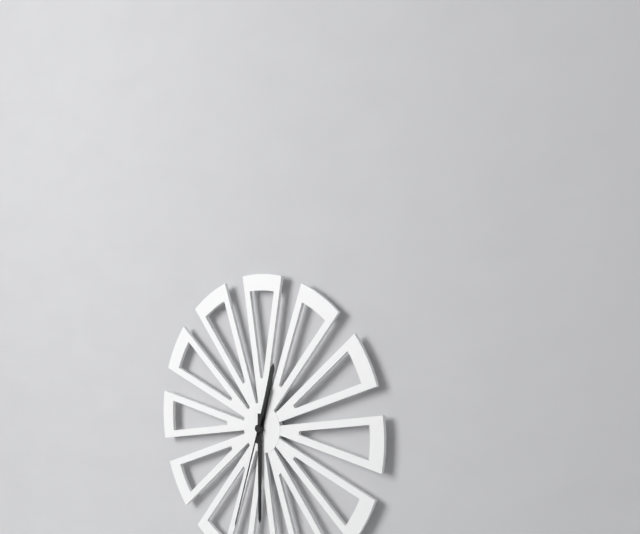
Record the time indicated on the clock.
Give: 12:30:33
